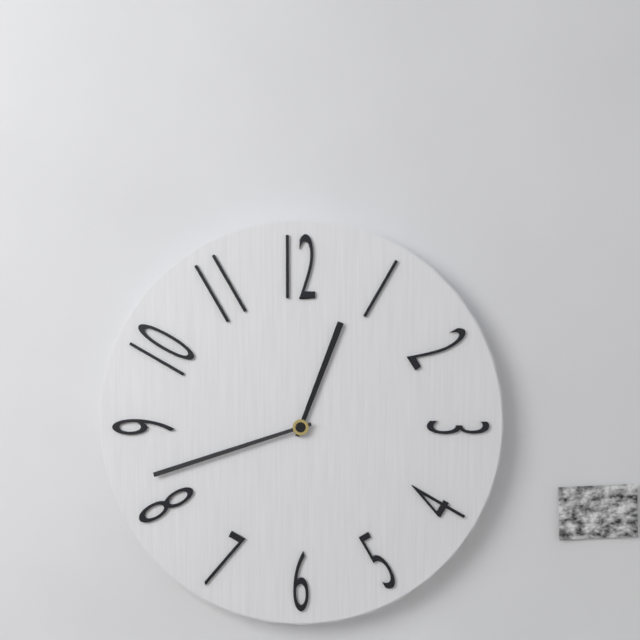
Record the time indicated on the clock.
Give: 12:42
